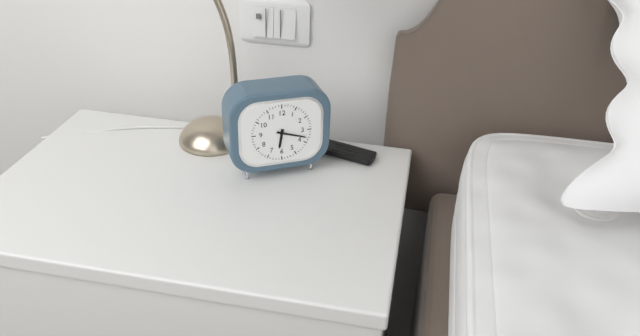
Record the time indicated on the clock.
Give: 6:18
